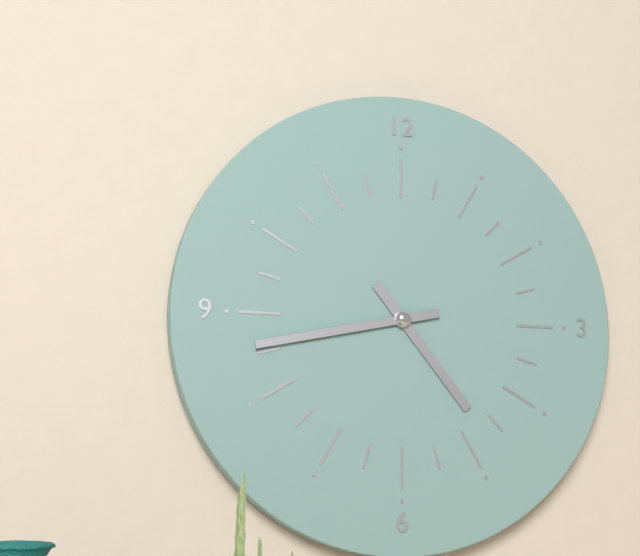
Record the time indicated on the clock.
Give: 4:43
